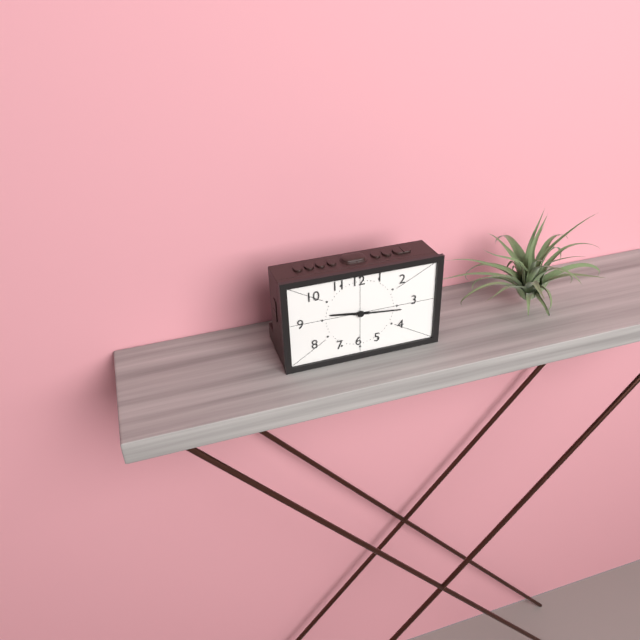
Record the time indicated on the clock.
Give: 9:16
